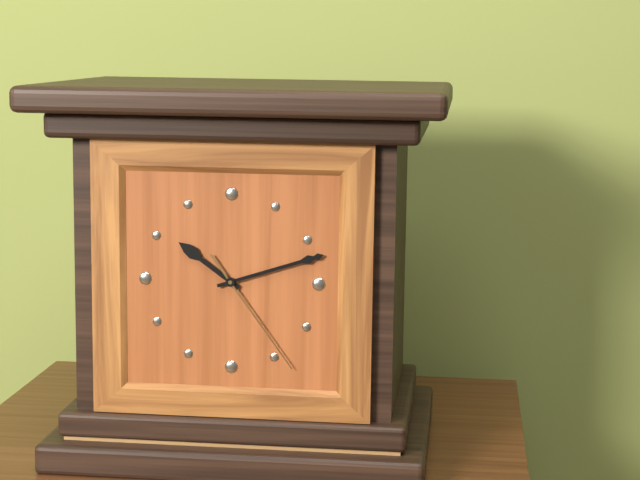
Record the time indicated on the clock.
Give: 10:12:24
